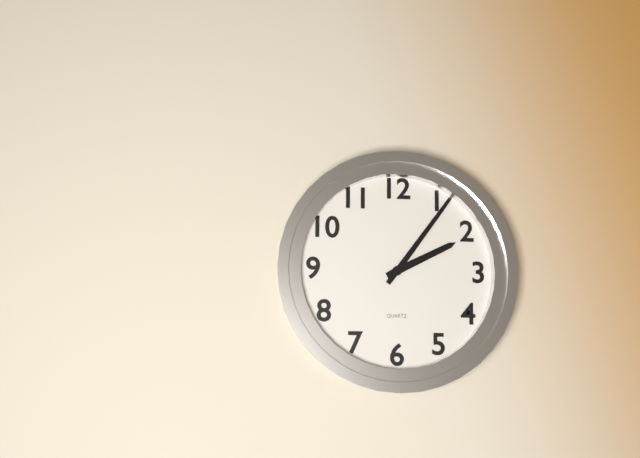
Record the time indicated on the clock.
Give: 2:06
